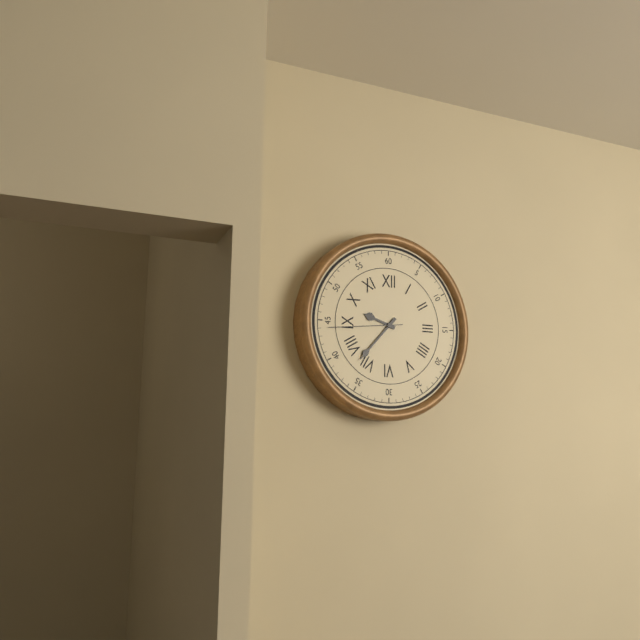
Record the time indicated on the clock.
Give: 9:37:44
